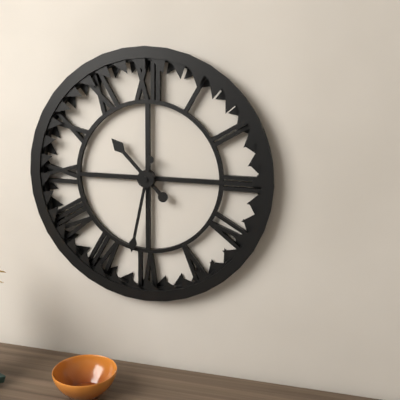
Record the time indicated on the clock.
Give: 10:32
